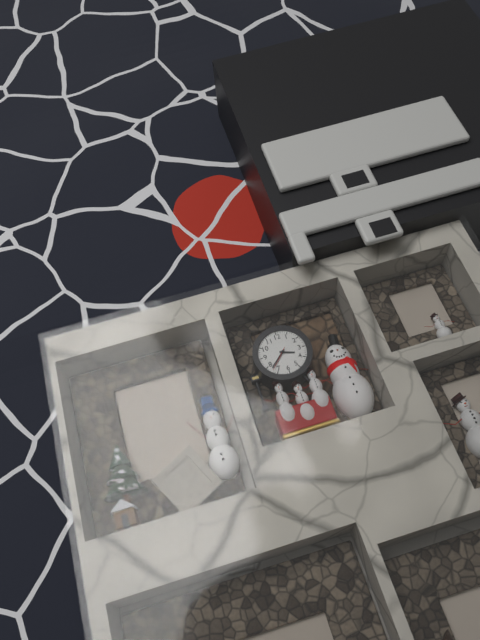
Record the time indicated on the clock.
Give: 3:38
